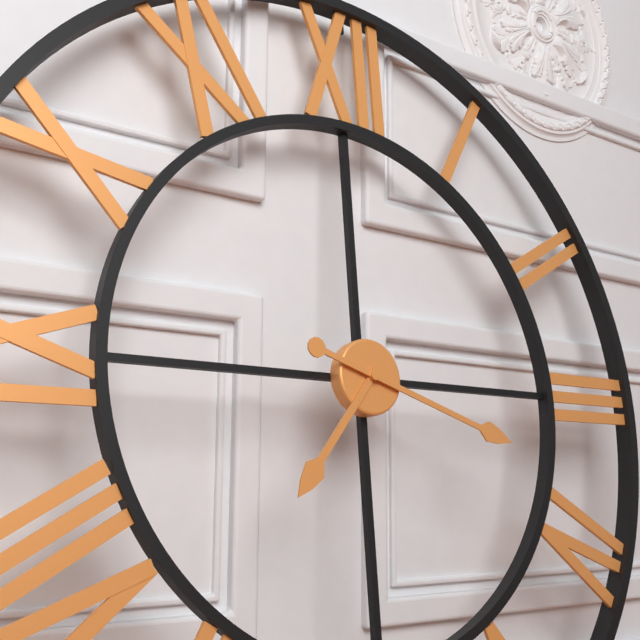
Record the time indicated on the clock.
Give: 7:18
